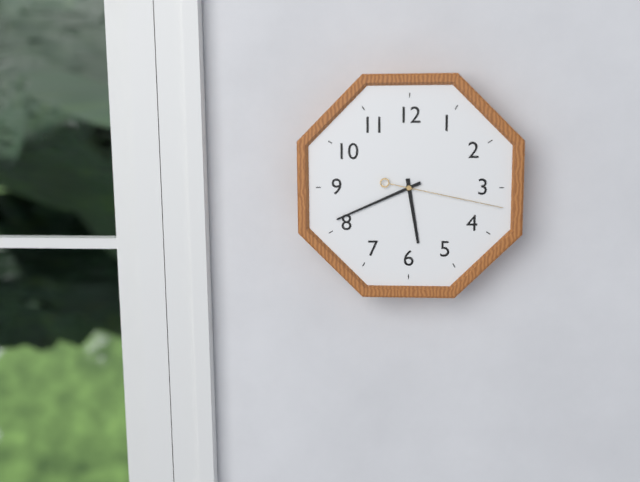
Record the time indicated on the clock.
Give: 5:41:17
